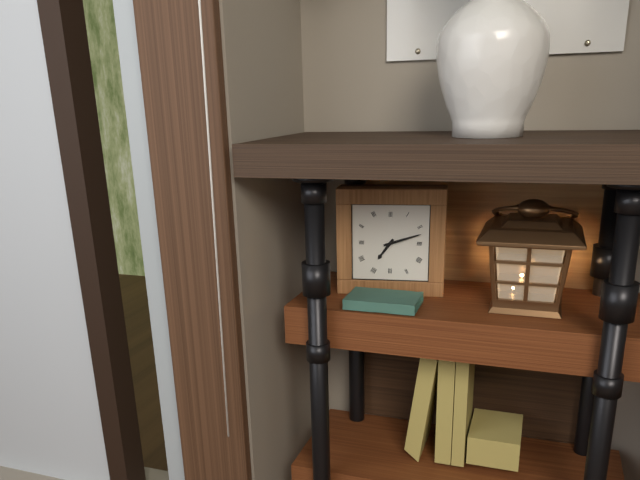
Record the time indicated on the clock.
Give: 7:12
